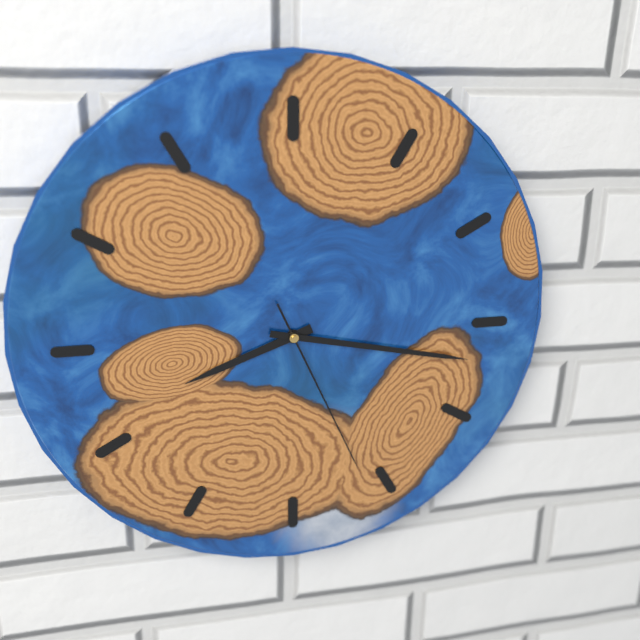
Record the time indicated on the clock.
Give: 8:17:26
